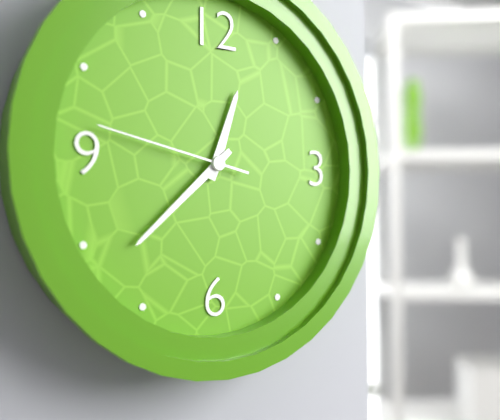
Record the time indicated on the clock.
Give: 12:38:47
